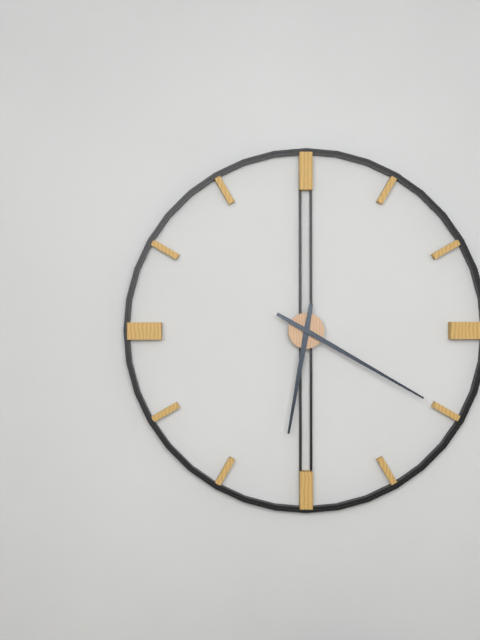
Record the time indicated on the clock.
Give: 6:20
